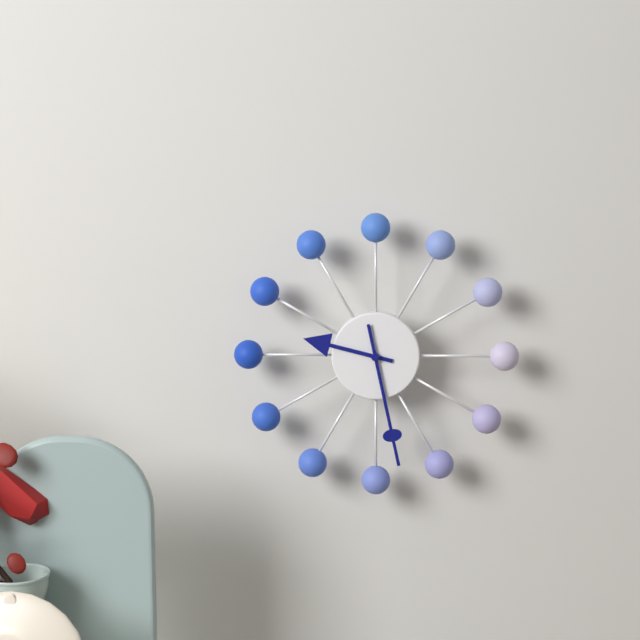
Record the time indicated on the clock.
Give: 9:28
